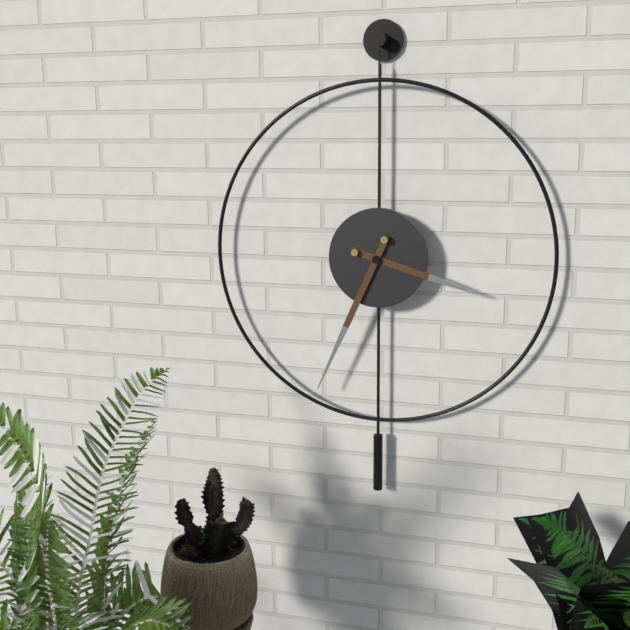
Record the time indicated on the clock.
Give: 3:34
